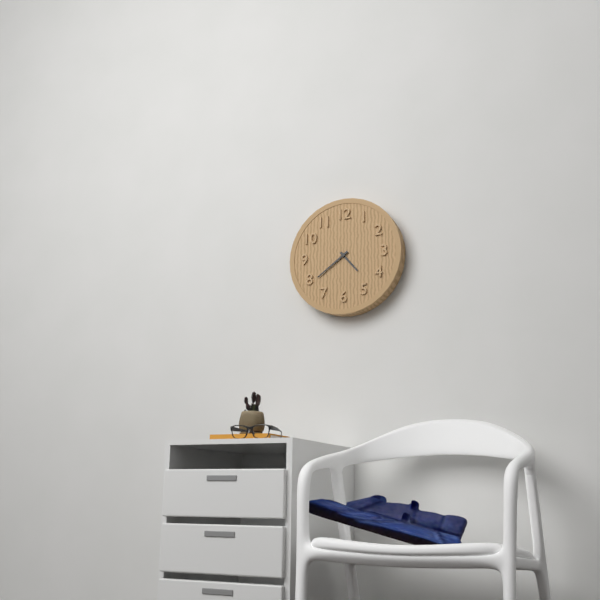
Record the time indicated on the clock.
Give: 4:39
